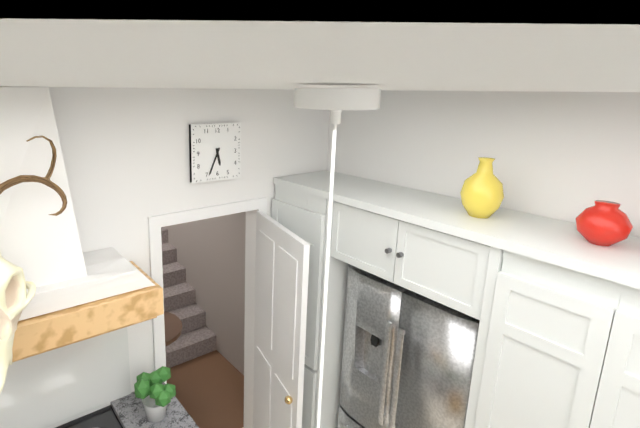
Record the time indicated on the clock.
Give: 5:34
